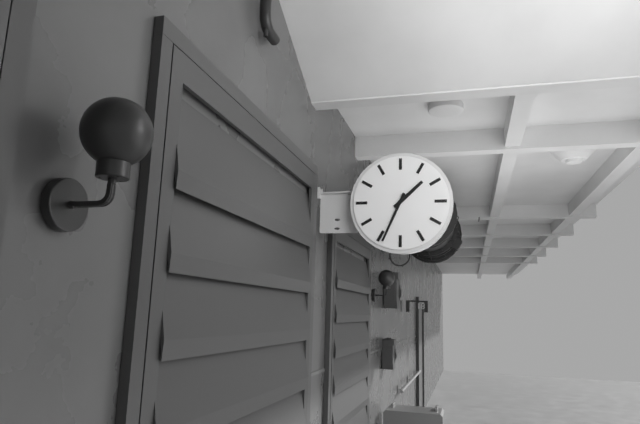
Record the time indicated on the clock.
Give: 1:34
